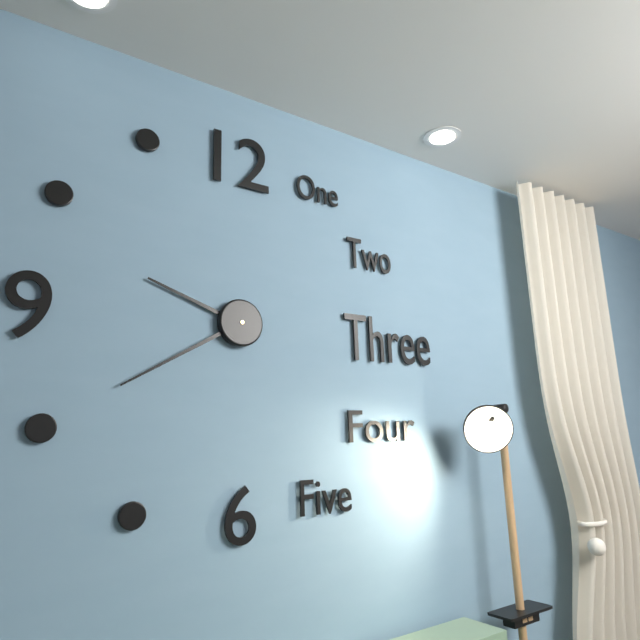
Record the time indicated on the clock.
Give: 9:40
